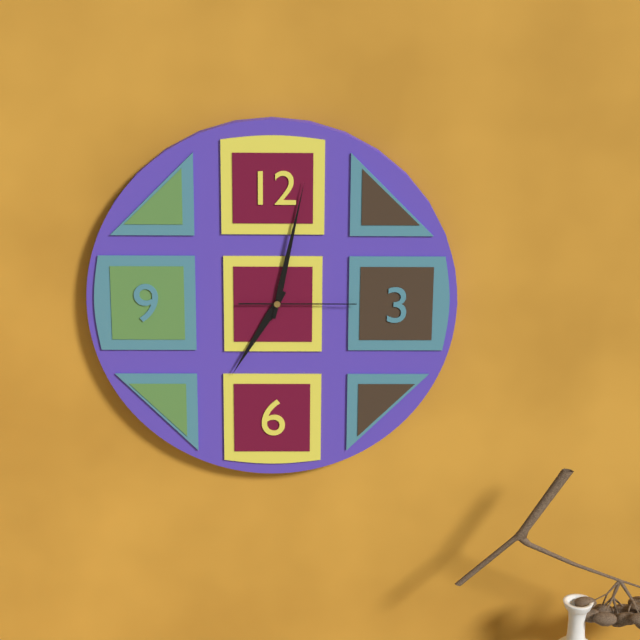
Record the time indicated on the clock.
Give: 7:02:15
